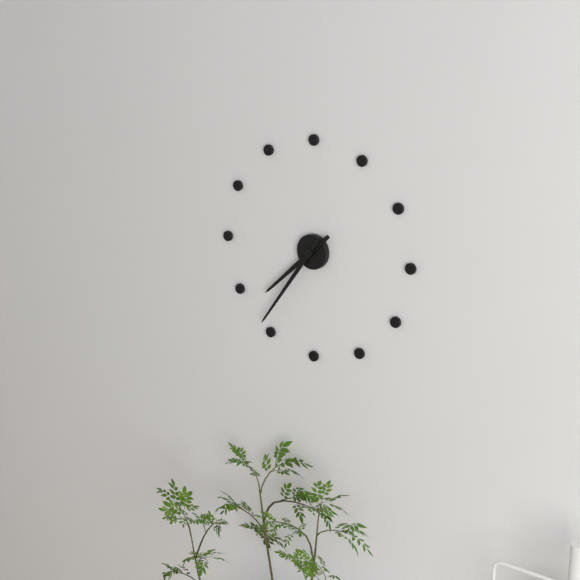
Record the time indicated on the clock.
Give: 7:36
